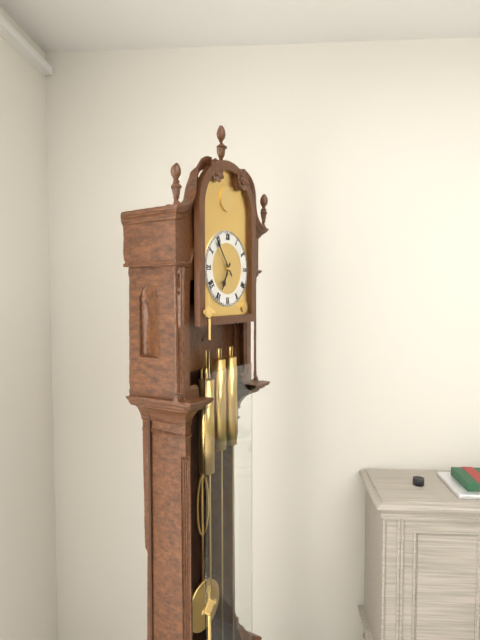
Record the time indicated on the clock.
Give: 6:54
